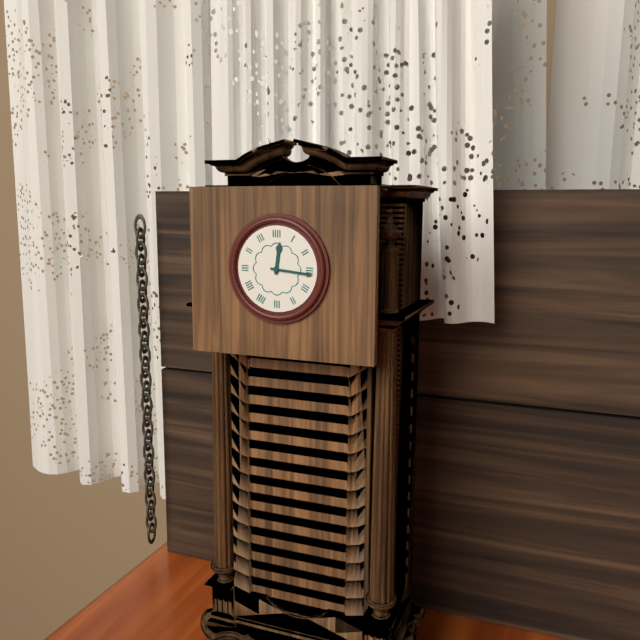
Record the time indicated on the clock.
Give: 12:16
